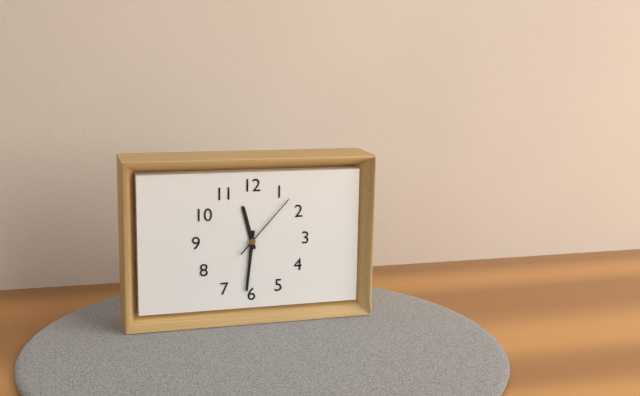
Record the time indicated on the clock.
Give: 11:31:07
